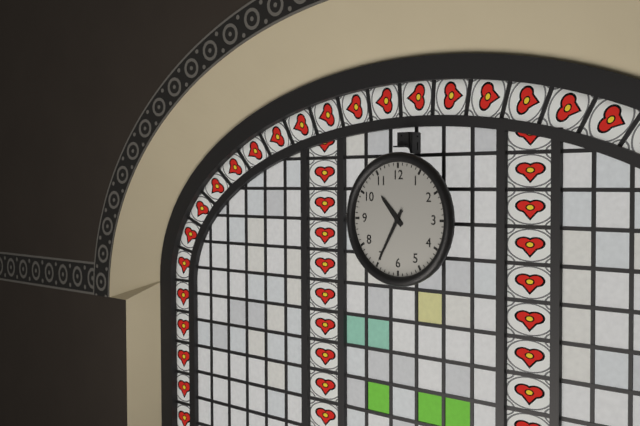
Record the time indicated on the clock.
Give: 10:35
